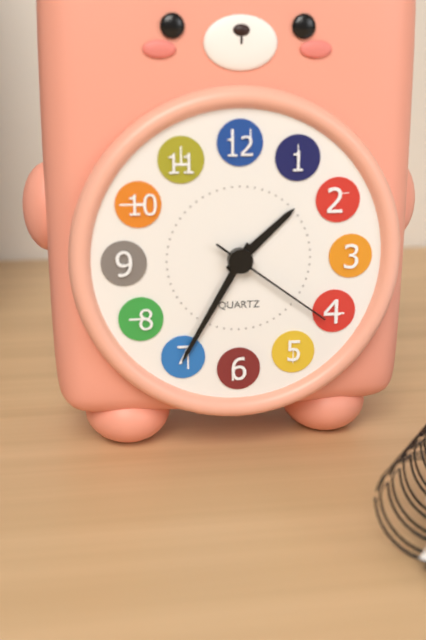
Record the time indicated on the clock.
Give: 1:35:21
